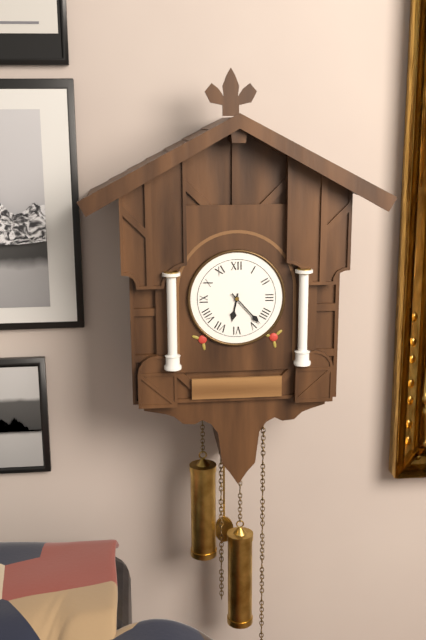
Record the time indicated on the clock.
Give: 6:23
